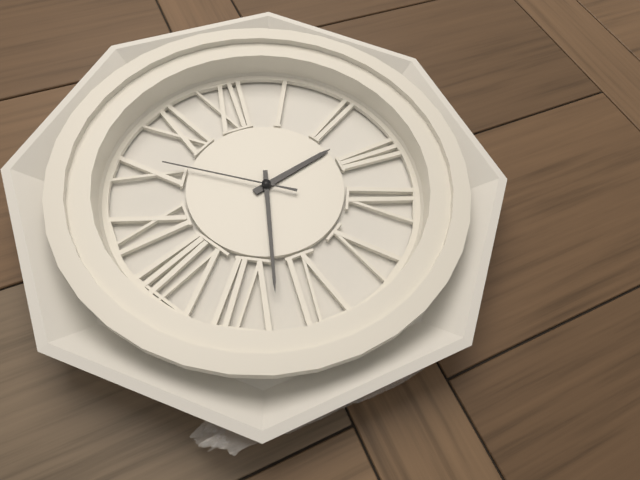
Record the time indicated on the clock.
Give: 2:33:51
